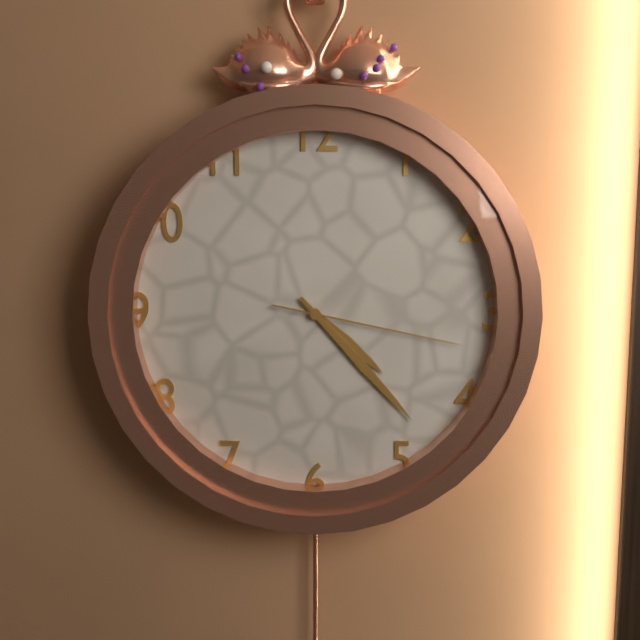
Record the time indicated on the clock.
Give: 4:23:17
